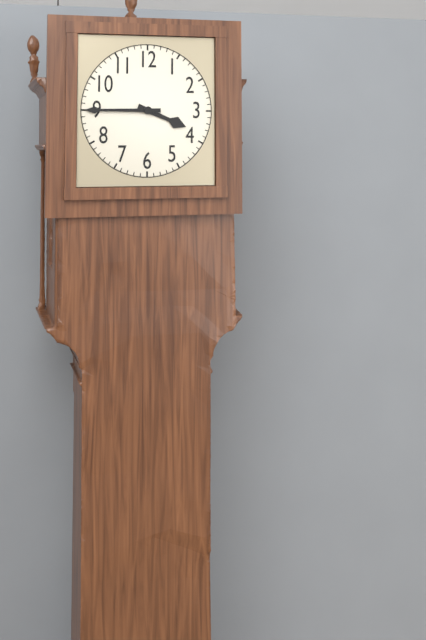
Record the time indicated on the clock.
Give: 3:45
